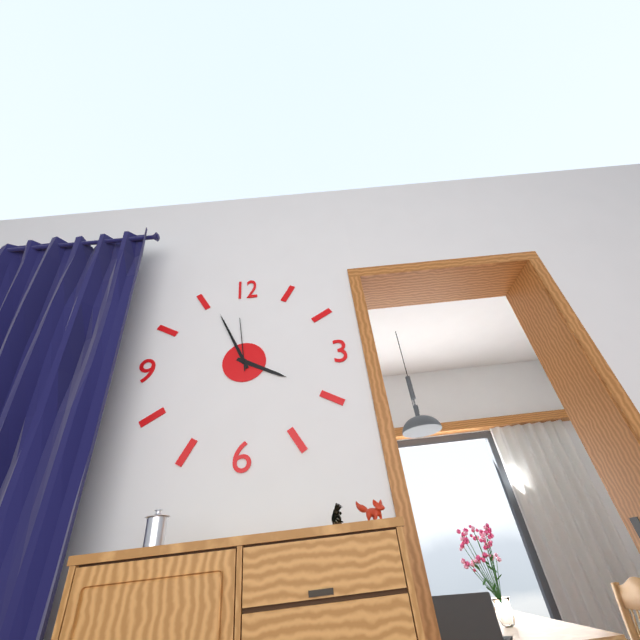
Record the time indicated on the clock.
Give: 3:56:59
